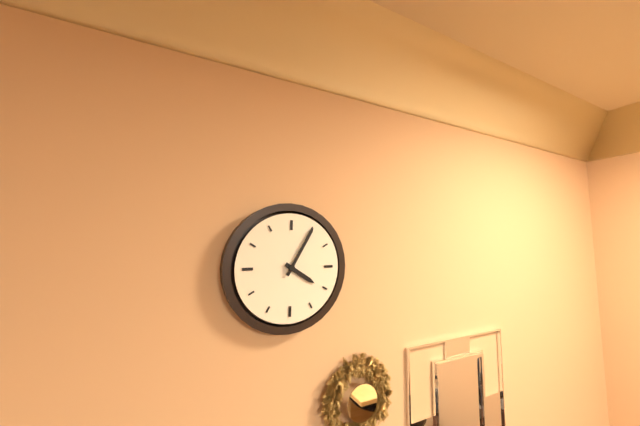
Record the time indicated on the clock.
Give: 4:05
